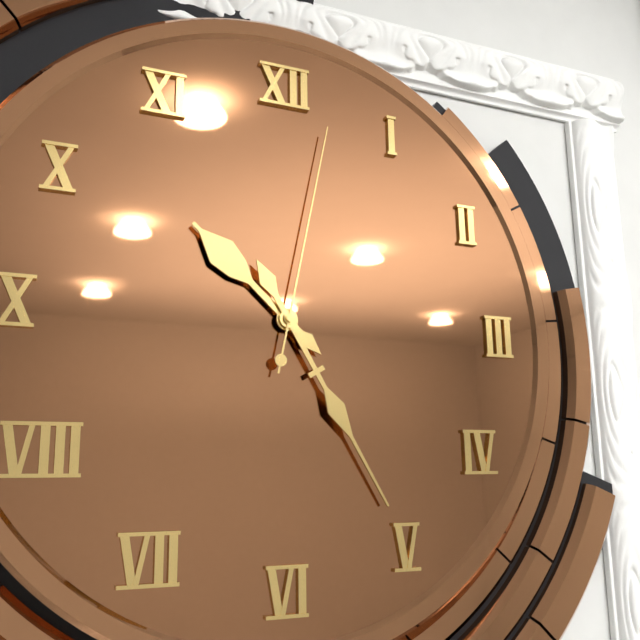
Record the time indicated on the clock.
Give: 10:25:02
